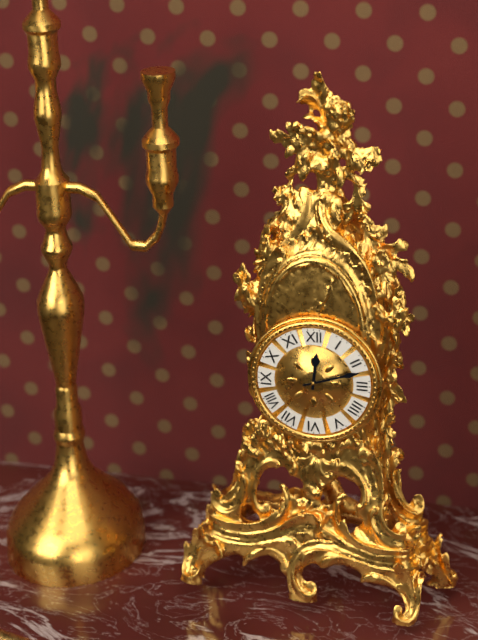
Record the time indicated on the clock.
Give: 12:12
